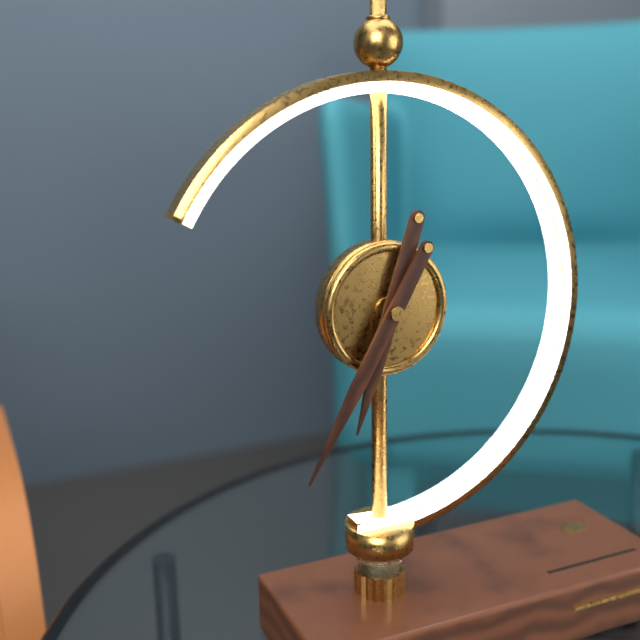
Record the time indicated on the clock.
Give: 6:35
